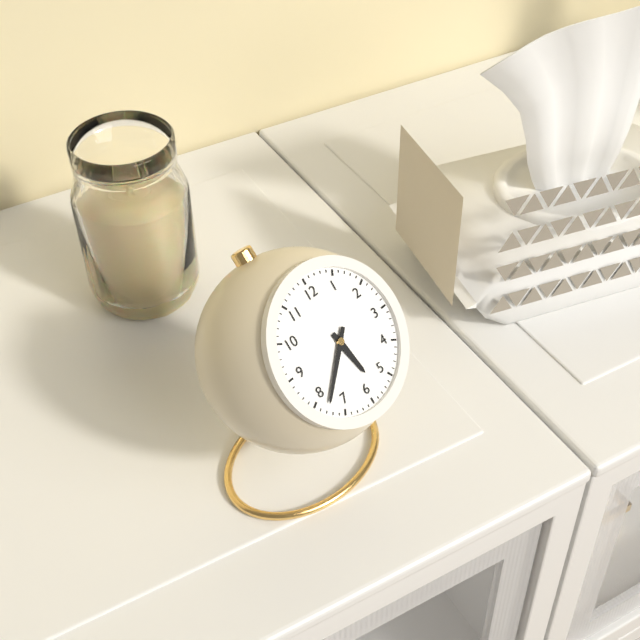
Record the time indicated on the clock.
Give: 5:38
